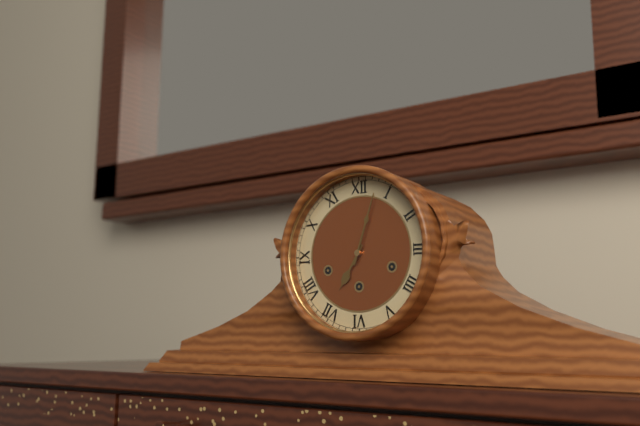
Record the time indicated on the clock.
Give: 7:03
